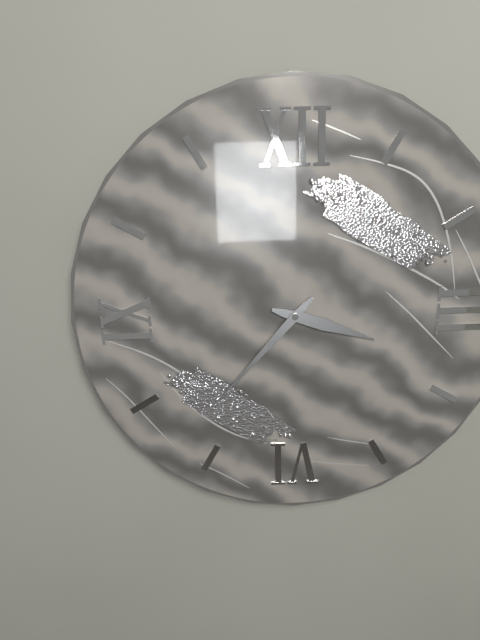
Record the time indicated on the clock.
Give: 3:37
